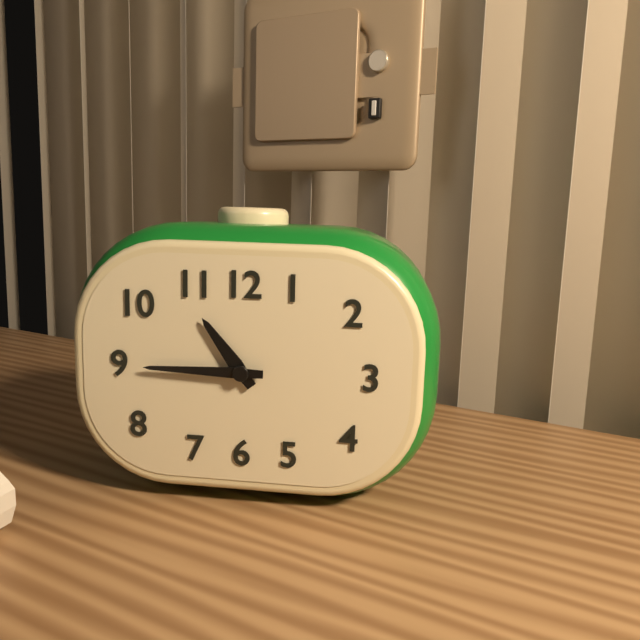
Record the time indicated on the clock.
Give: 10:45
